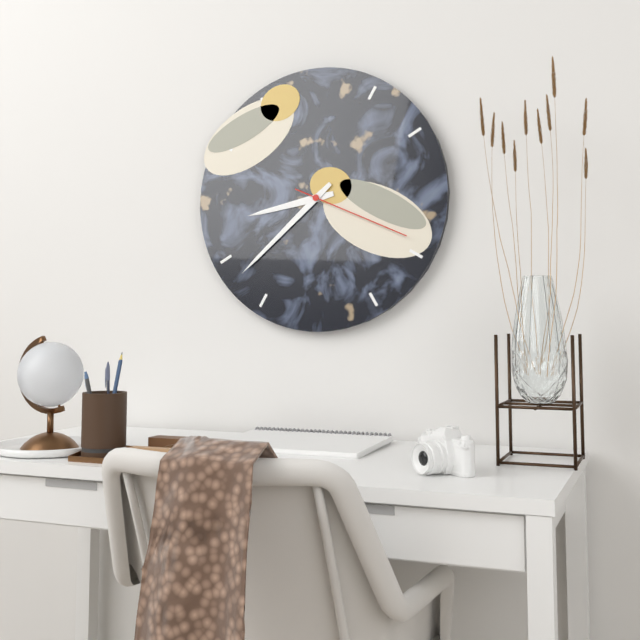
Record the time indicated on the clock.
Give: 8:38:19
